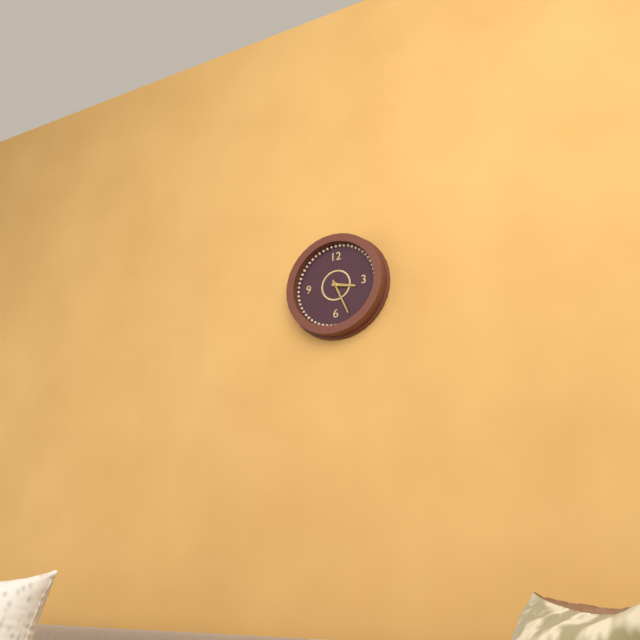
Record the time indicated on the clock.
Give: 3:26
